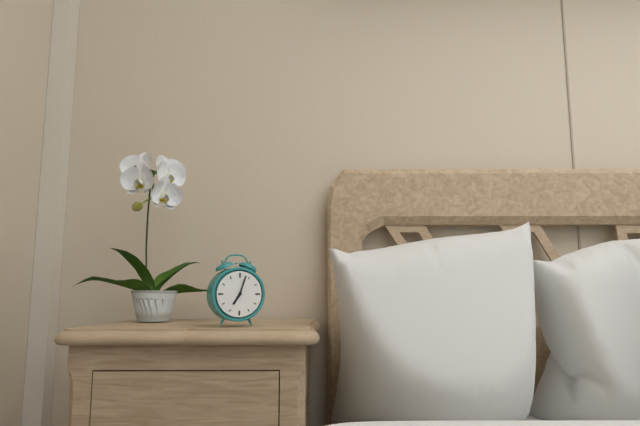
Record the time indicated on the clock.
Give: 7:03
